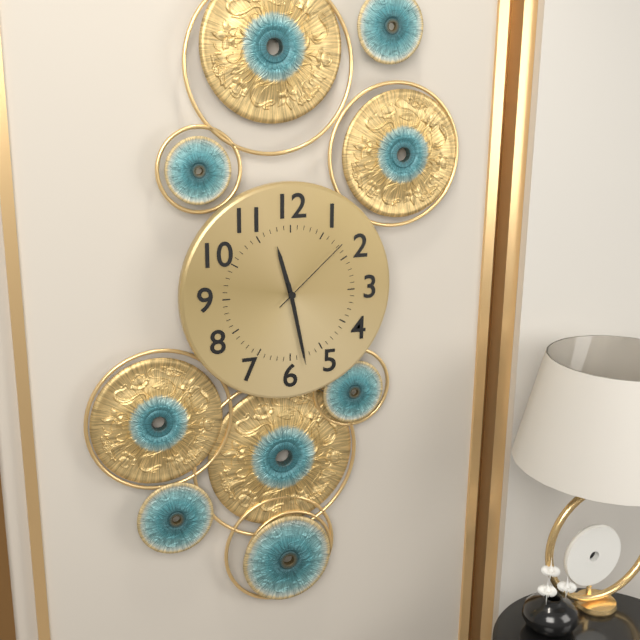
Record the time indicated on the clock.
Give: 11:28:08
